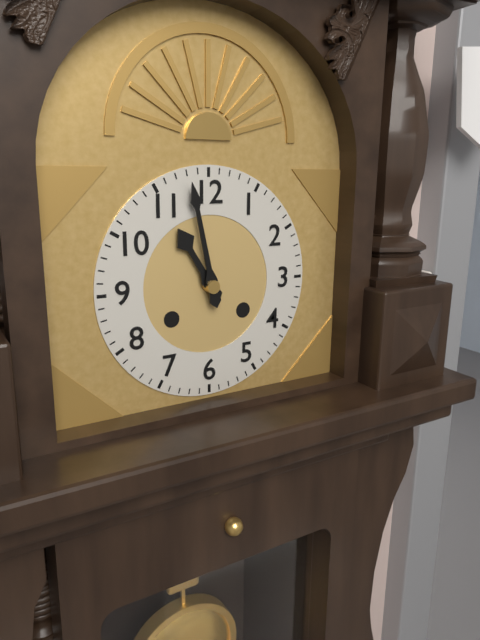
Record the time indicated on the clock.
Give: 10:58
